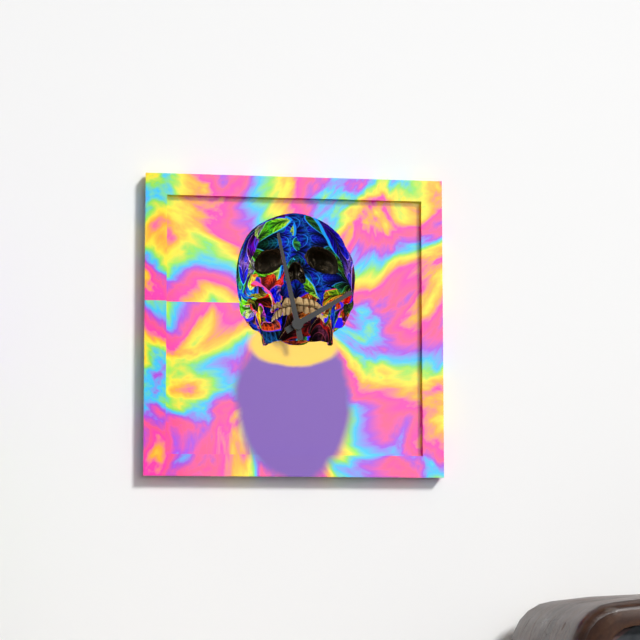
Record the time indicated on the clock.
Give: 1:58
